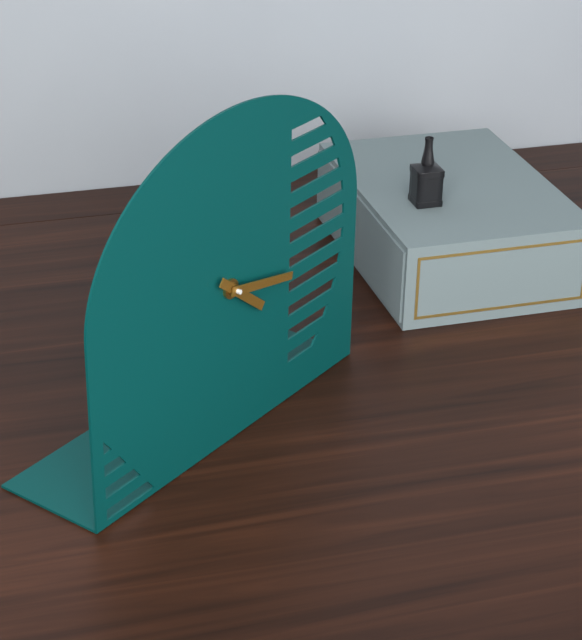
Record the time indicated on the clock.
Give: 4:17
